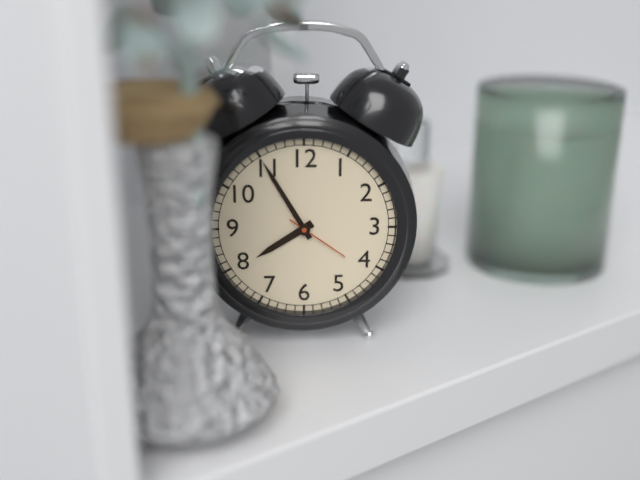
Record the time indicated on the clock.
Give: 7:55:21
